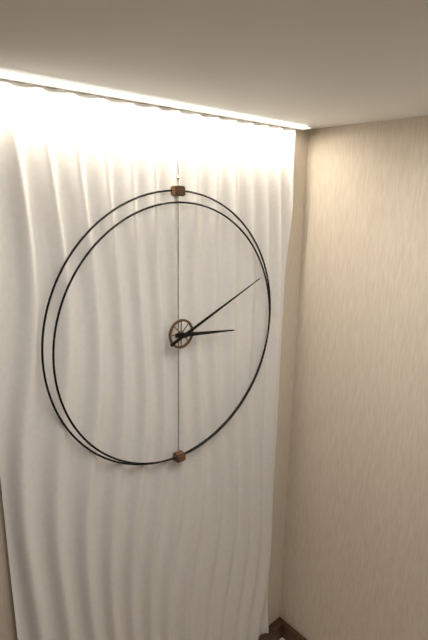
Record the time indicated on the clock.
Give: 3:11
